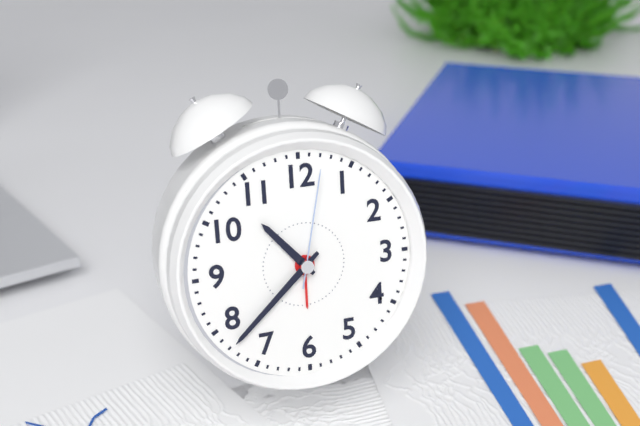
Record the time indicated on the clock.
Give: 10:38:02
